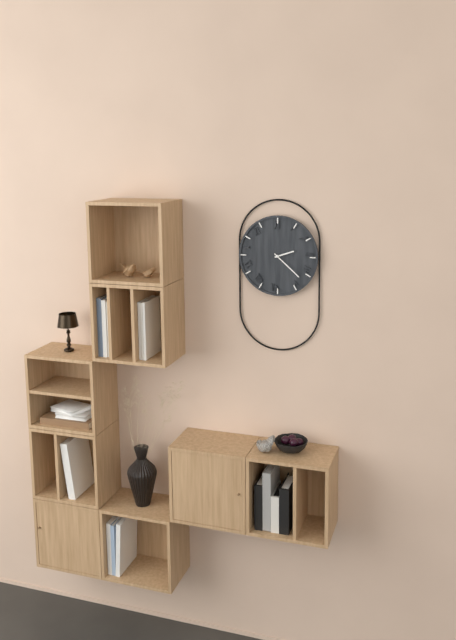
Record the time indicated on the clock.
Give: 2:22
